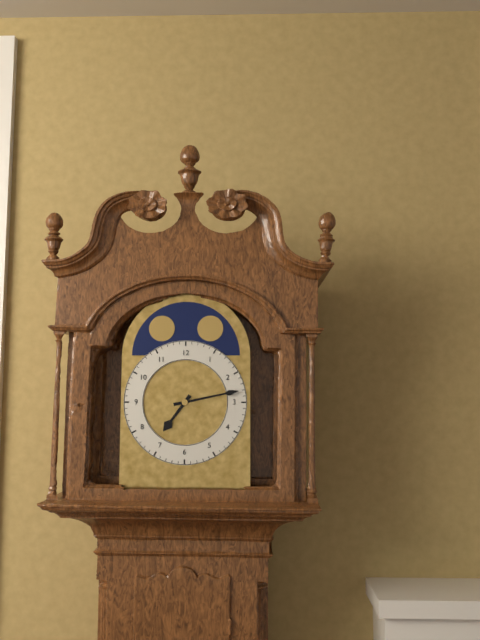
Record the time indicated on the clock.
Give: 7:13
